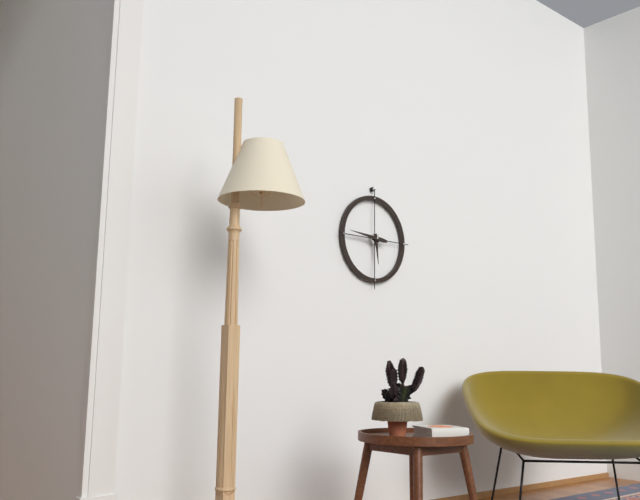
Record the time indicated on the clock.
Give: 5:46
